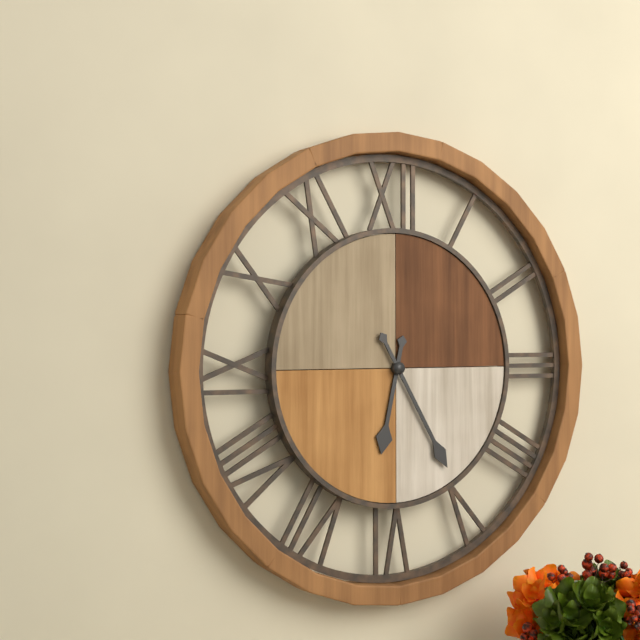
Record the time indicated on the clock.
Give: 6:25
